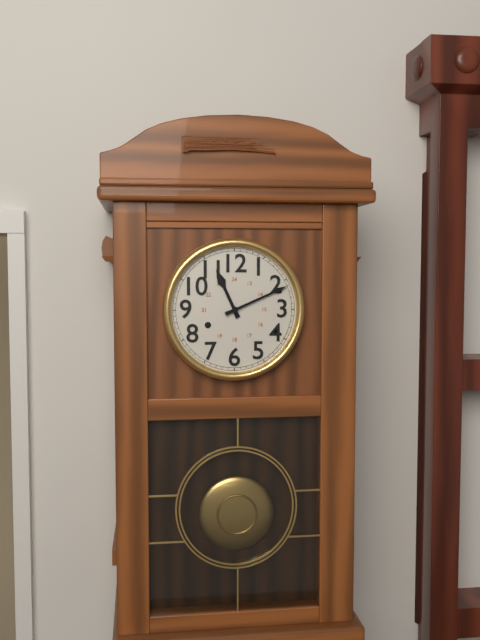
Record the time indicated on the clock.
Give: 11:11
